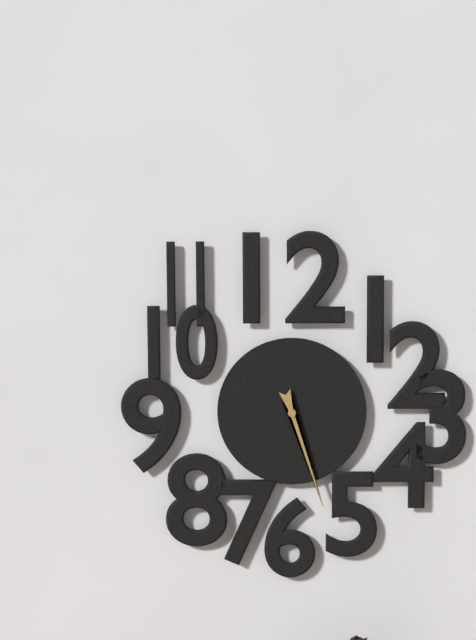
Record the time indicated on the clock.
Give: 5:27
